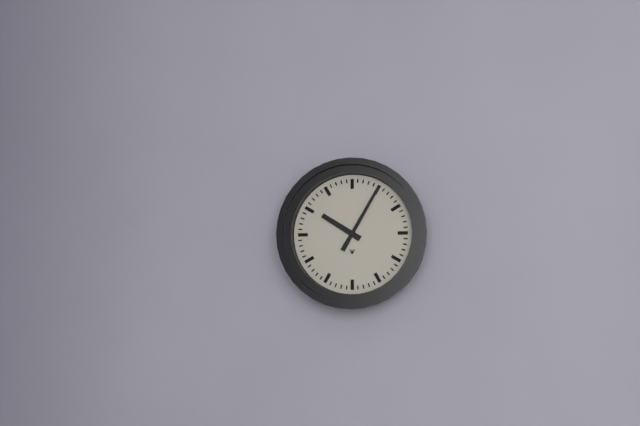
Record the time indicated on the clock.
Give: 10:05
